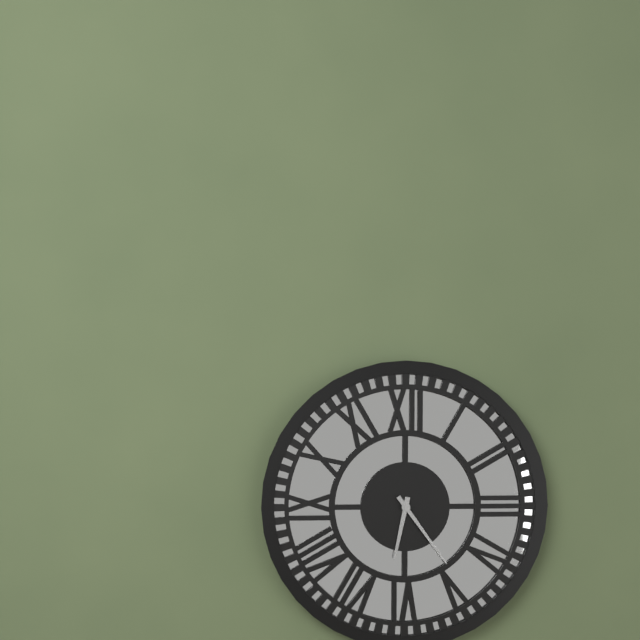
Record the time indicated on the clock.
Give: 6:24
